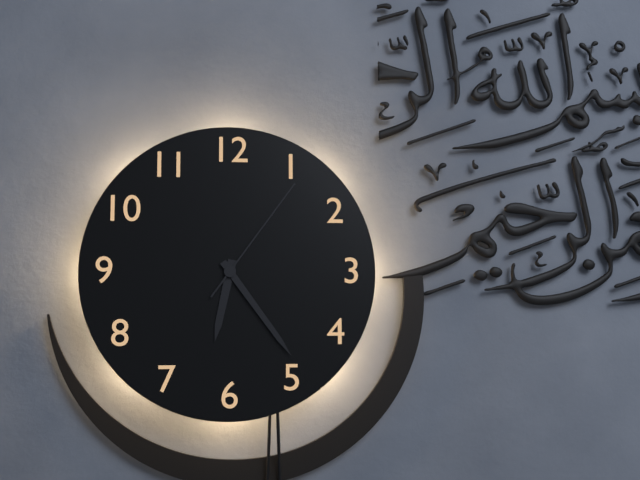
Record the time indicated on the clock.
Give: 6:24:06
